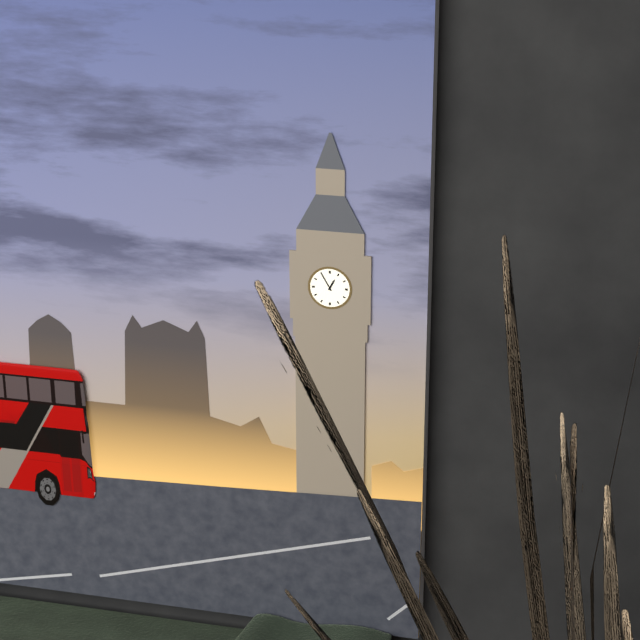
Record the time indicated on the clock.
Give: 12:55
